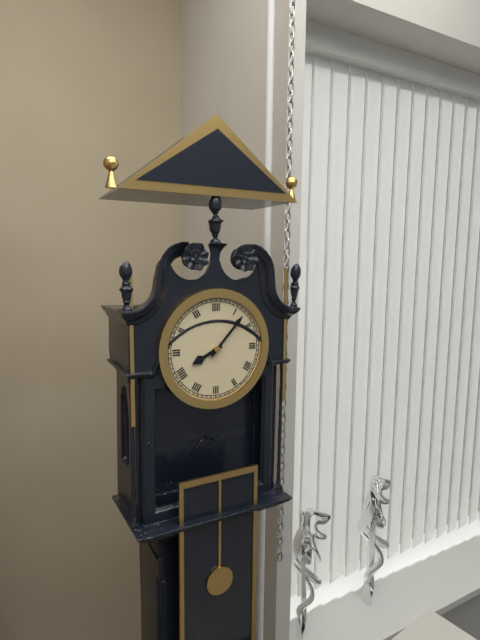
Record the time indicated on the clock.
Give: 8:07
